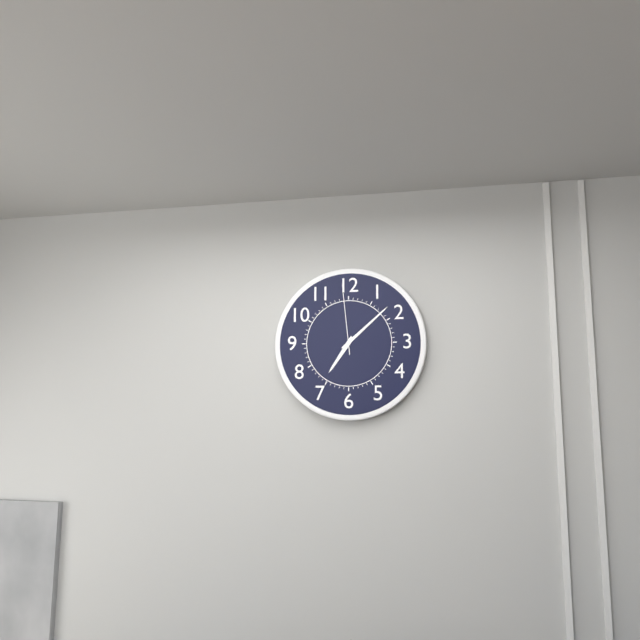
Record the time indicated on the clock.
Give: 7:08:59
